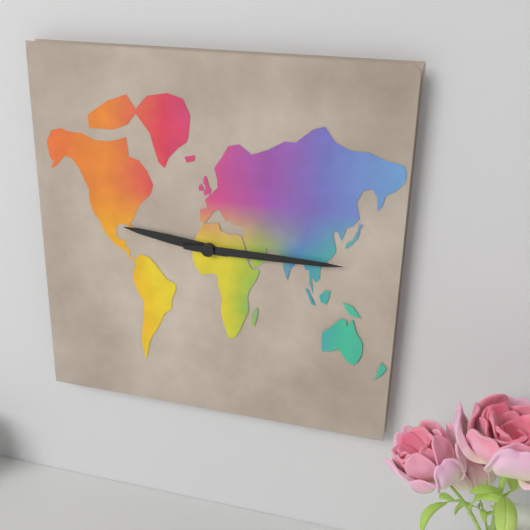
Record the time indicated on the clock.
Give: 9:15
